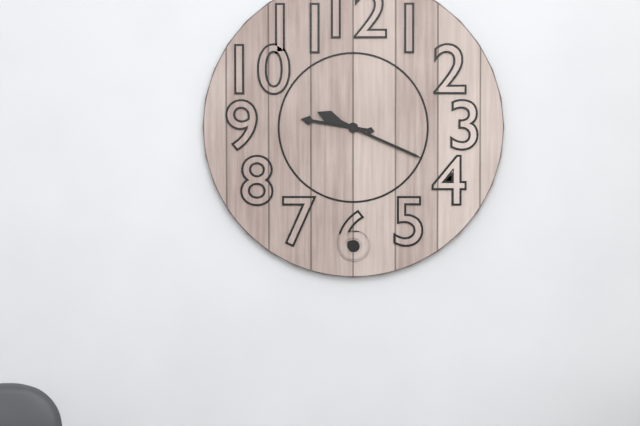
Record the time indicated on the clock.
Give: 9:19
